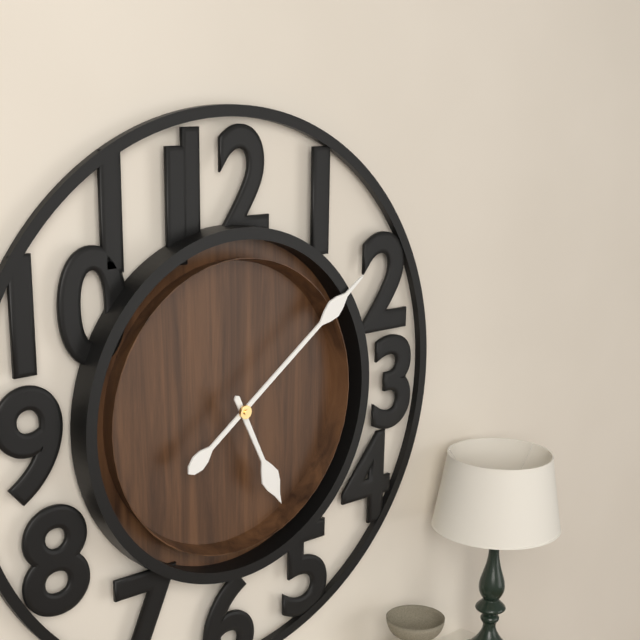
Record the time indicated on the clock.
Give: 5:09
